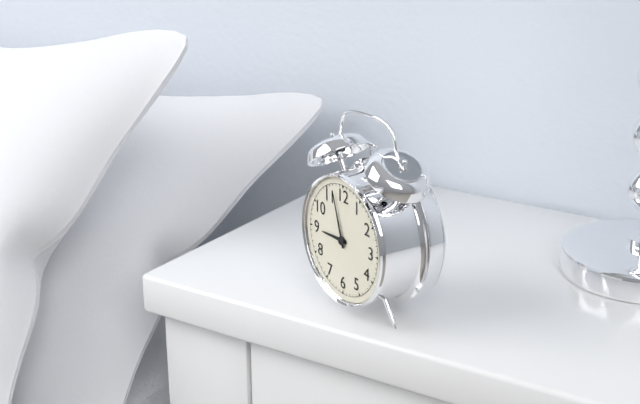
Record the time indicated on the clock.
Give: 8:57
